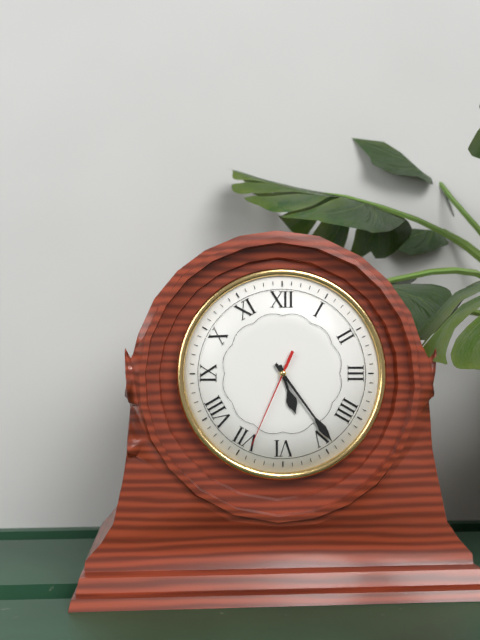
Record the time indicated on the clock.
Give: 5:24:34
